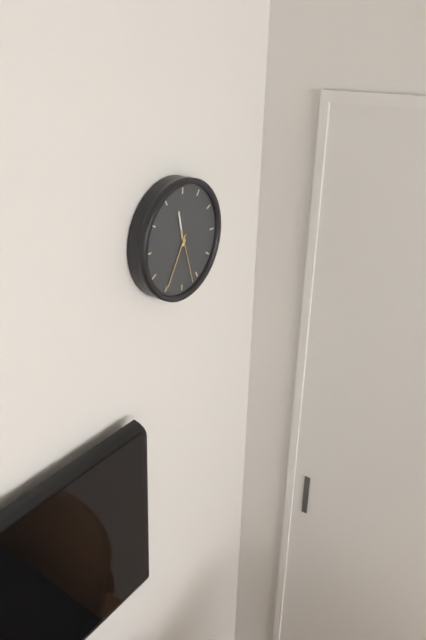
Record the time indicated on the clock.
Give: 11:35:27
